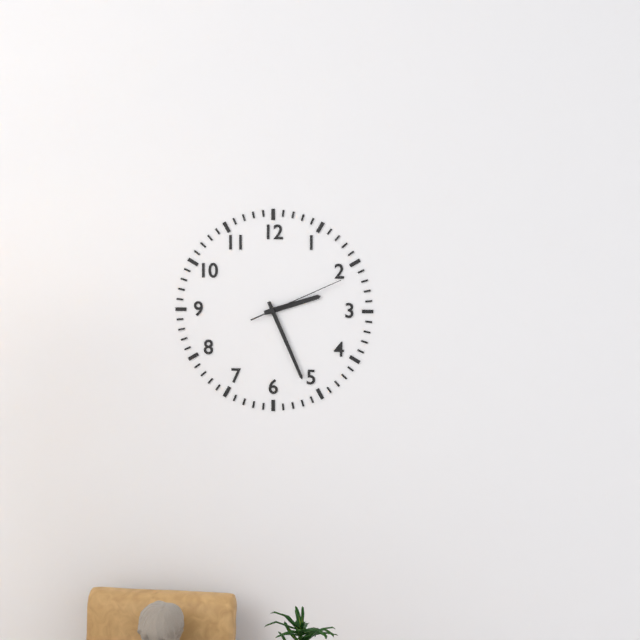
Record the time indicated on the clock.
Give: 2:26:11
